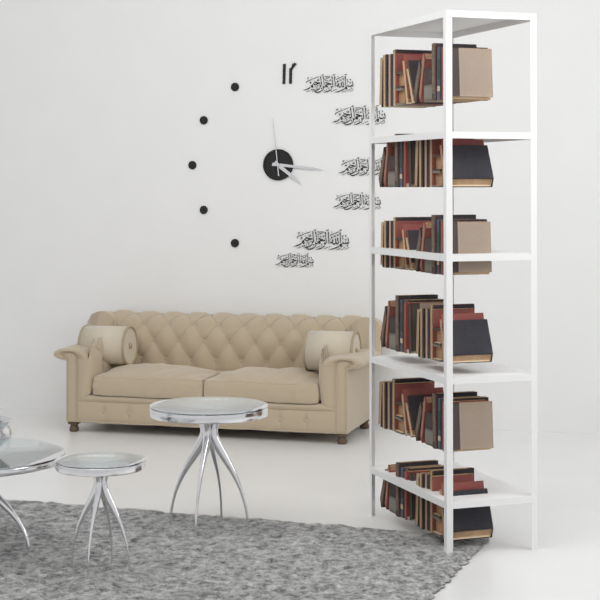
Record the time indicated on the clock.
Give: 4:16:59
